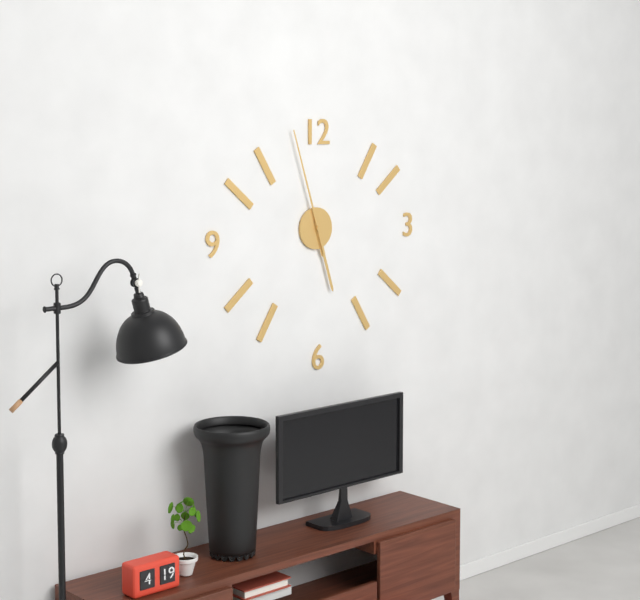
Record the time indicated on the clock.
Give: 5:27:57
